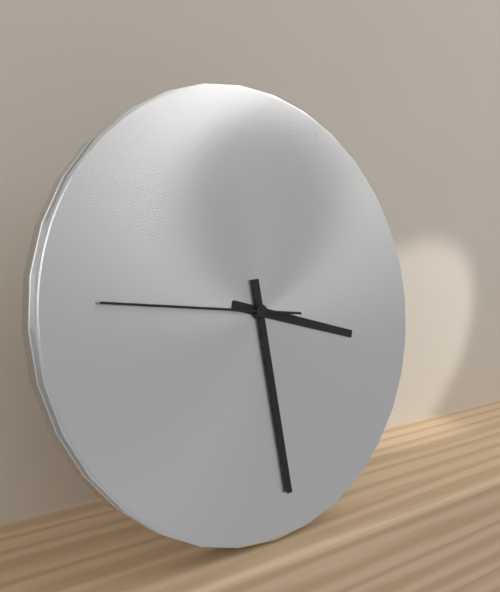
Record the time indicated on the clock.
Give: 3:29:46
